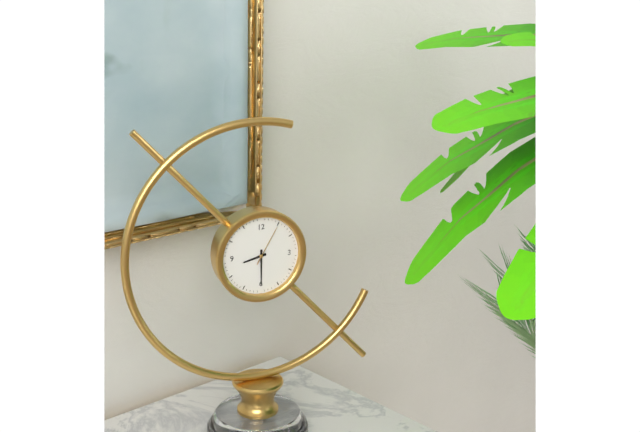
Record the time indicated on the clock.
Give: 8:30
